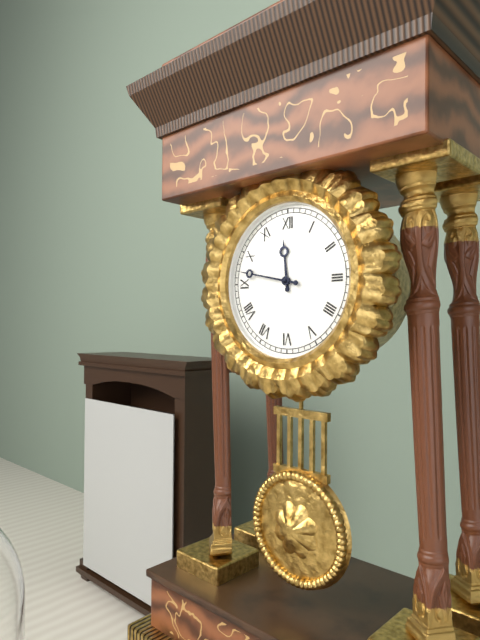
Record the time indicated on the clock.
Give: 11:47
